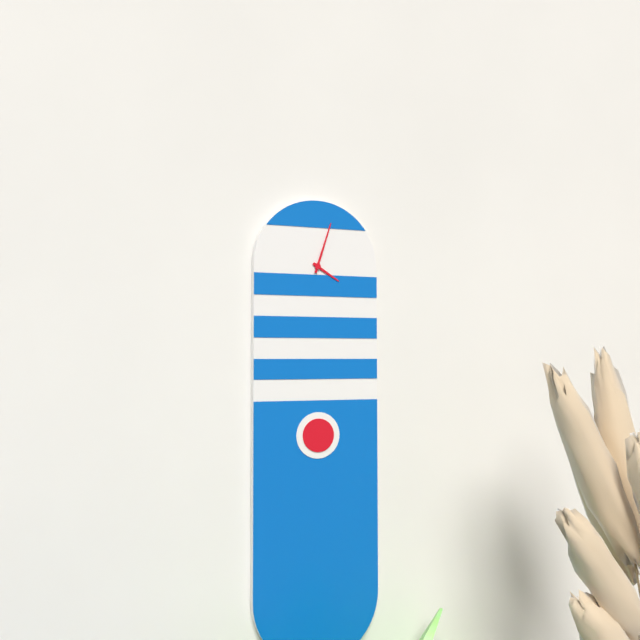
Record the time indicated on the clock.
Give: 4:03
